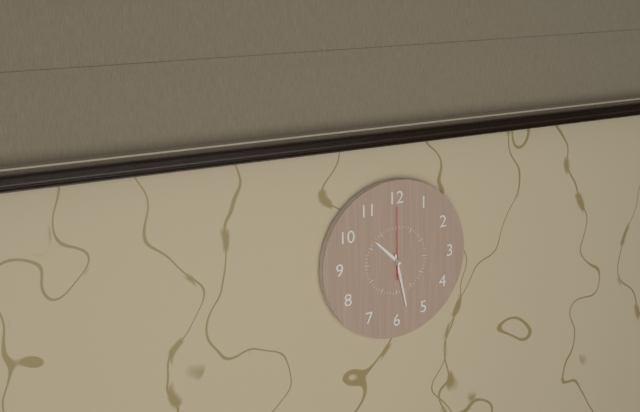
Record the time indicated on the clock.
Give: 10:28:00
